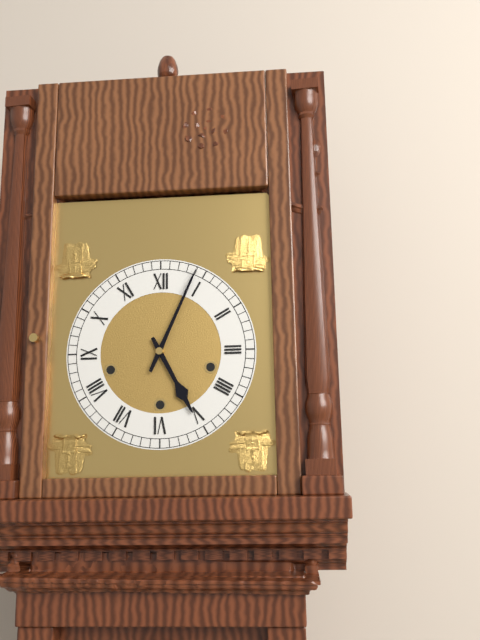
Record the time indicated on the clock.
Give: 5:04
